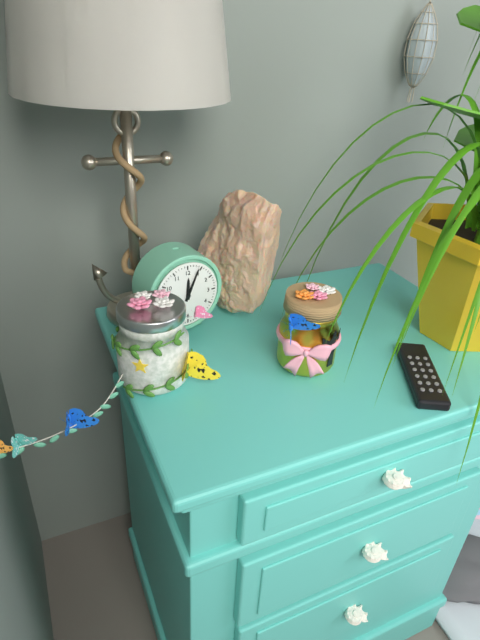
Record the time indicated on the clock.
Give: 12:04
